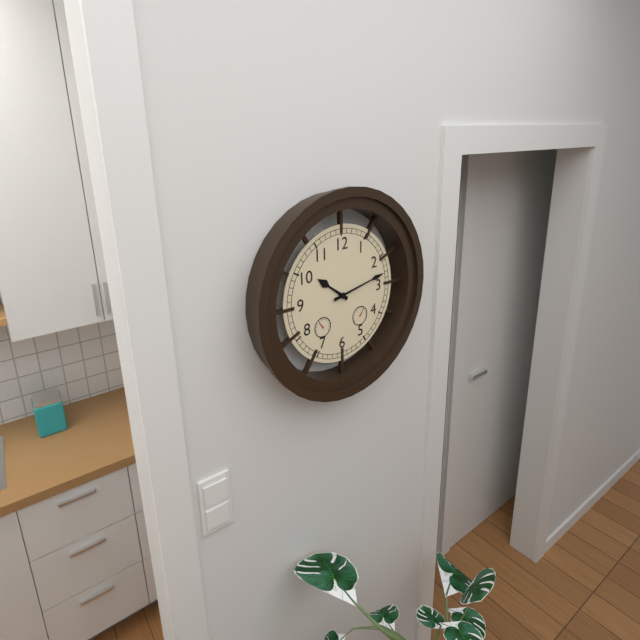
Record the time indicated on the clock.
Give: 10:13
